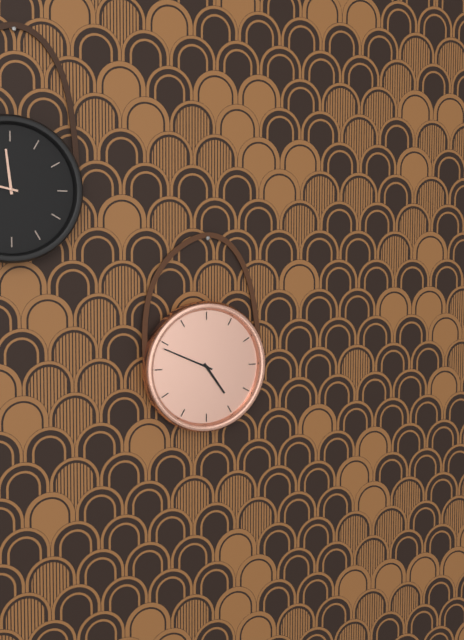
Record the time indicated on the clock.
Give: 4:49
